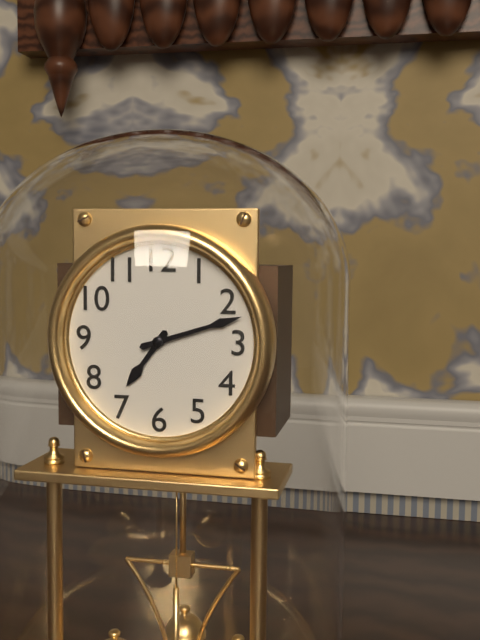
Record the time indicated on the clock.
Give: 7:12
